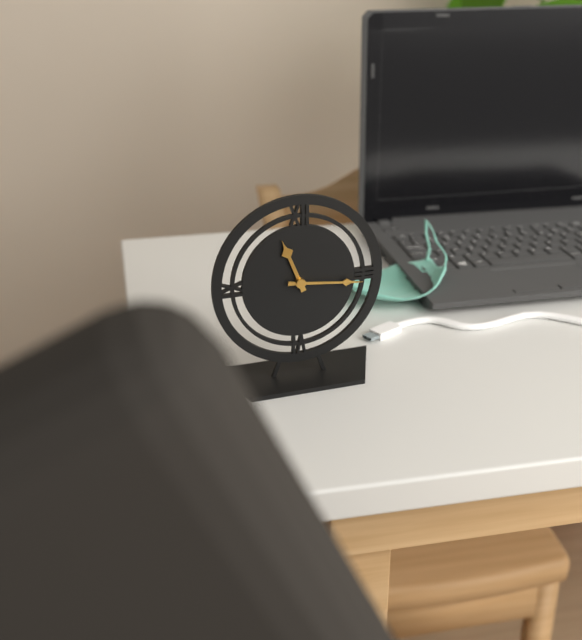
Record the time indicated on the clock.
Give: 11:16
